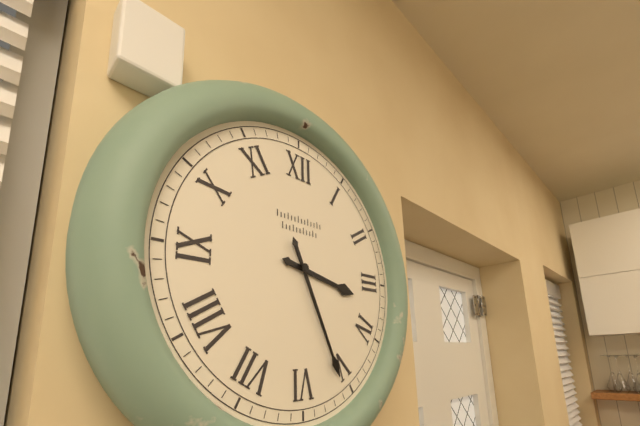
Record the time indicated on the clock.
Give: 3:26
